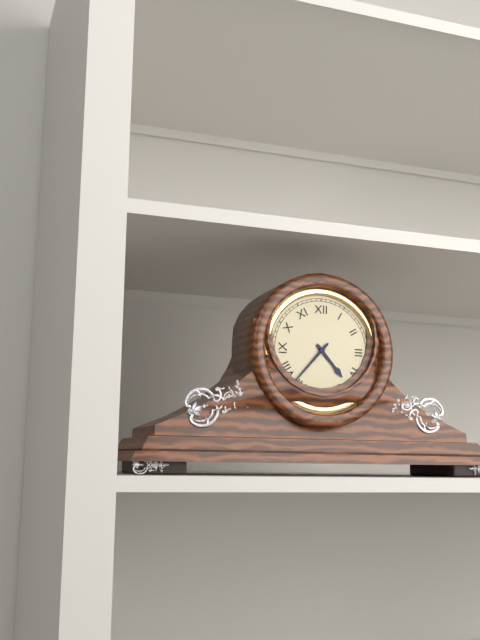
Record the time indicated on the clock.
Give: 4:37
